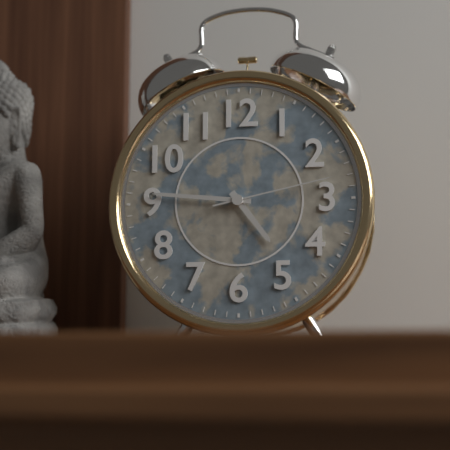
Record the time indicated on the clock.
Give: 4:46:13
